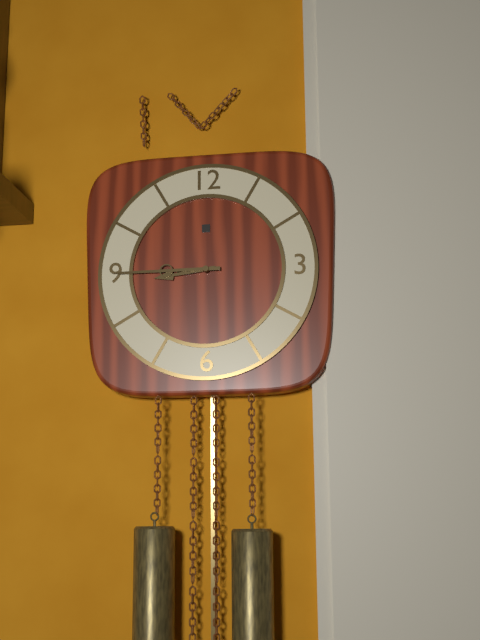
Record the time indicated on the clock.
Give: 8:45
